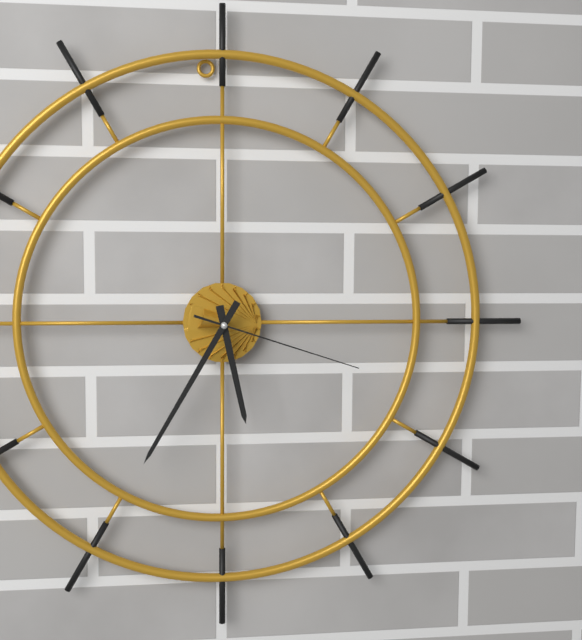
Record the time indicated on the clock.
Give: 5:35:18
